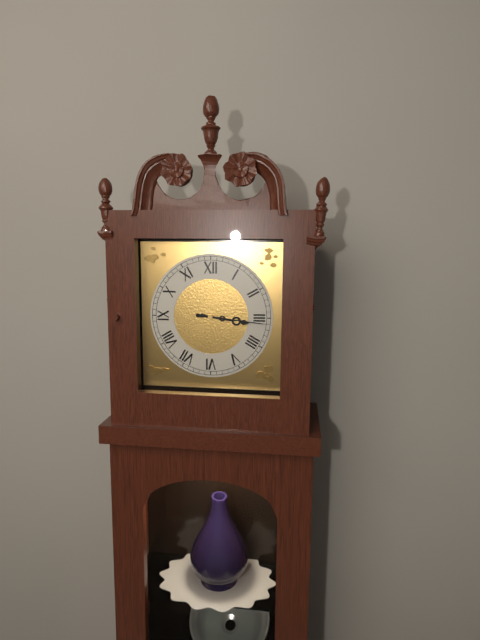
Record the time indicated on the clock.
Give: 3:16
